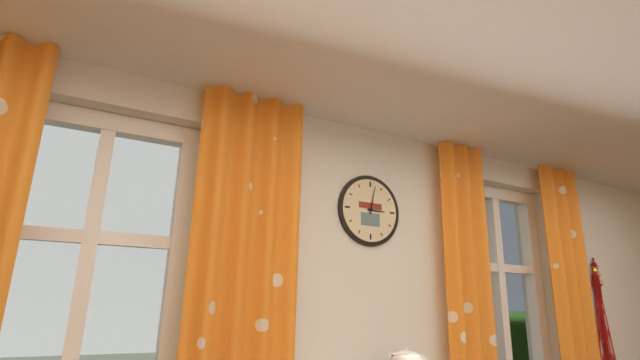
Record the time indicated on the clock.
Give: 3:02
